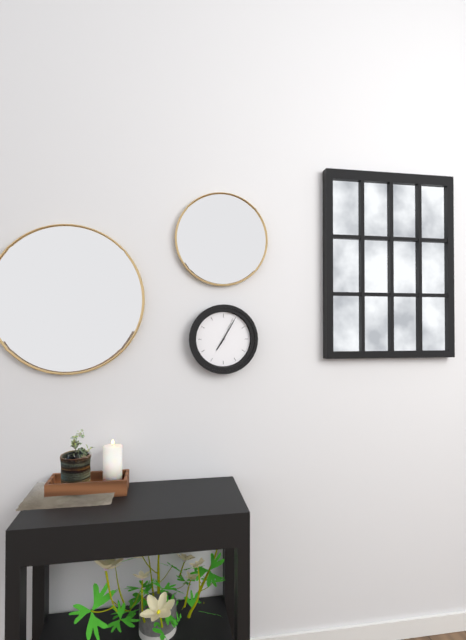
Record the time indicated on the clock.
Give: 7:05
